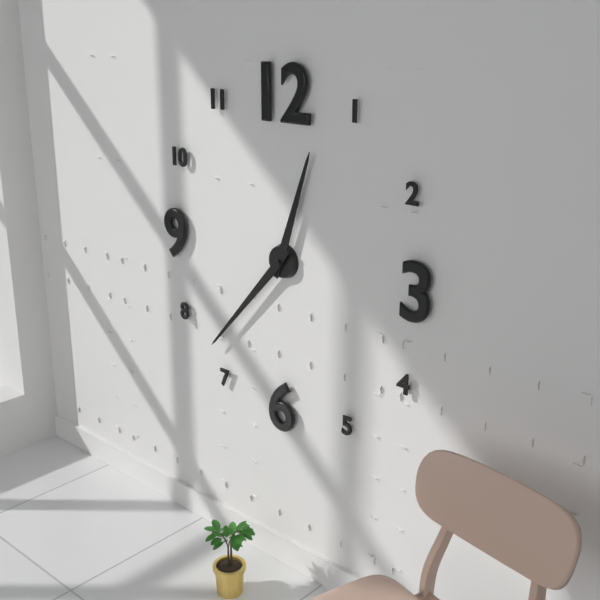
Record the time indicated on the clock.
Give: 12:37
